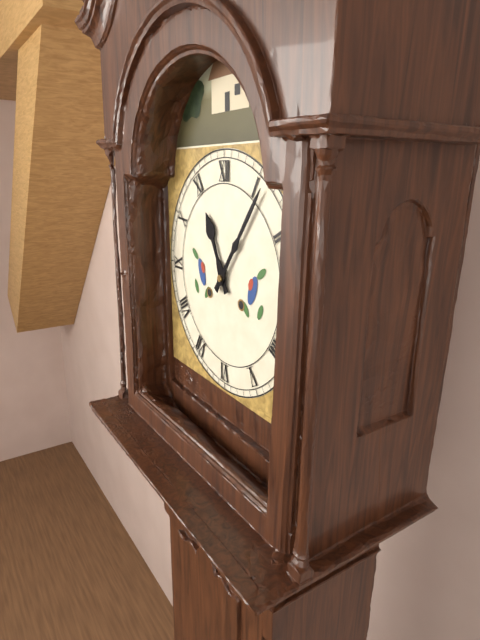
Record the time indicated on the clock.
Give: 11:06
